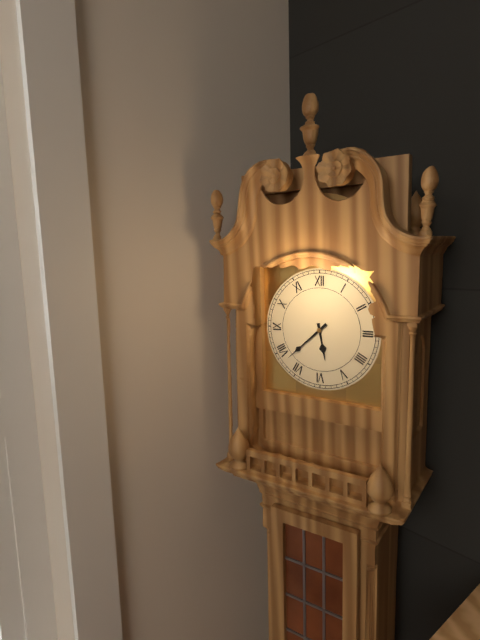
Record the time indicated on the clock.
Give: 5:38
